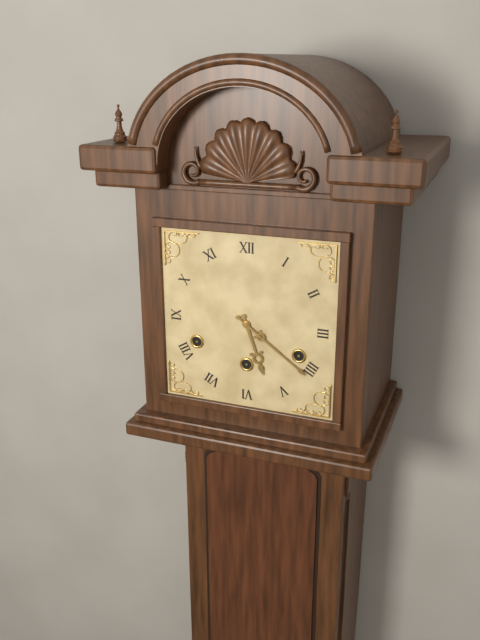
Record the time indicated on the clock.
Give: 5:21
